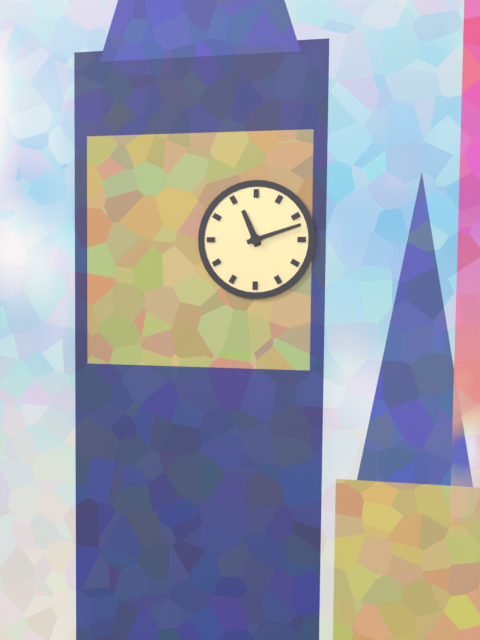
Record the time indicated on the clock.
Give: 11:12
